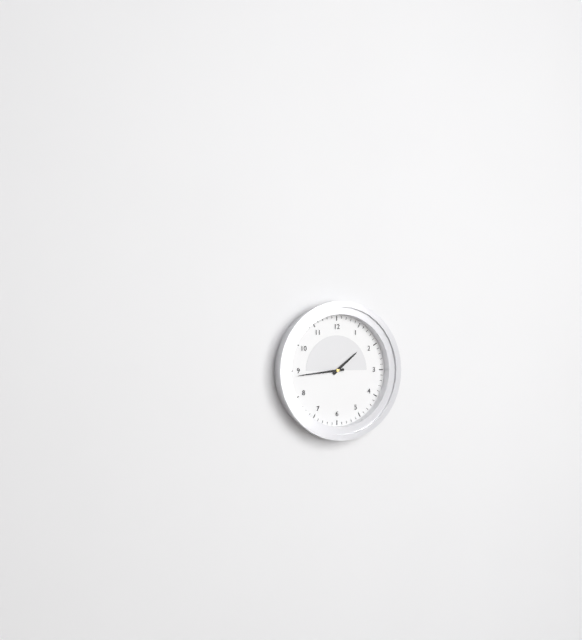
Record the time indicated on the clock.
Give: 1:44
